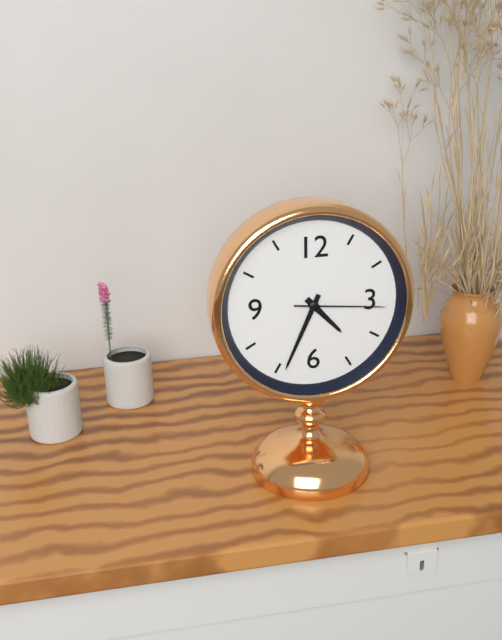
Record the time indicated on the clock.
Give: 4:34:16
